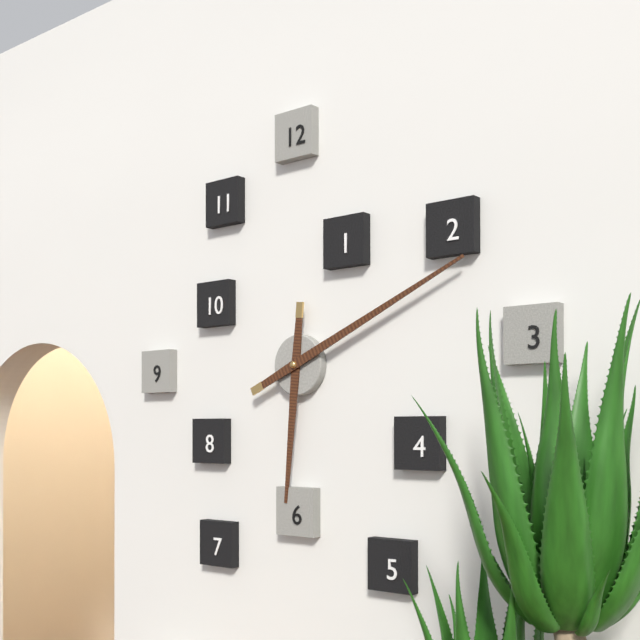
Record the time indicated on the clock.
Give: 6:11
